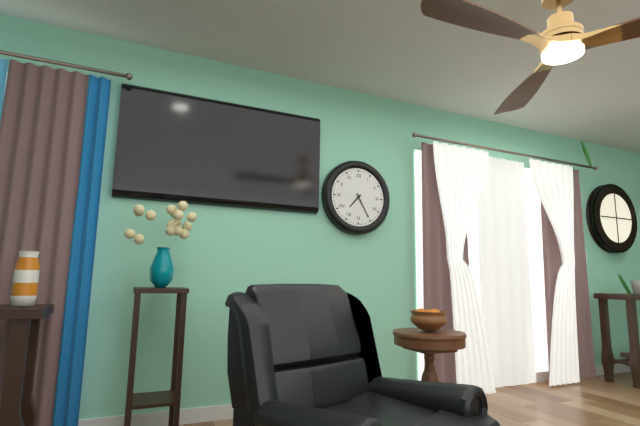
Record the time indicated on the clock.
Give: 7:25
